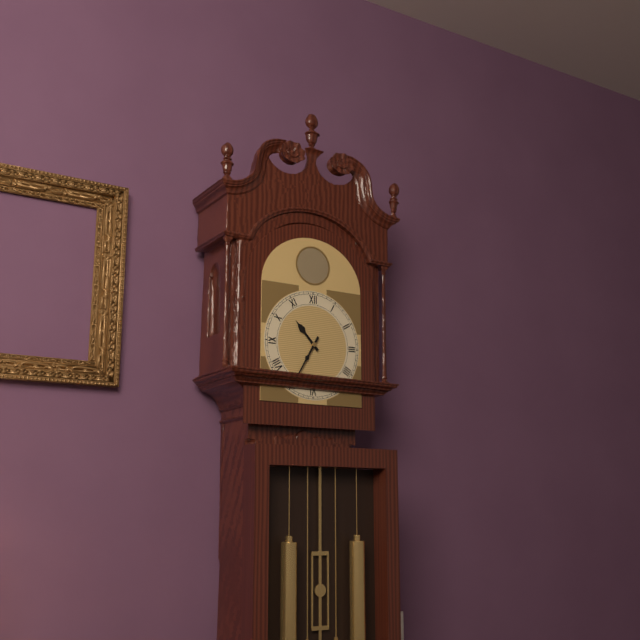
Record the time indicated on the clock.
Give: 10:35
